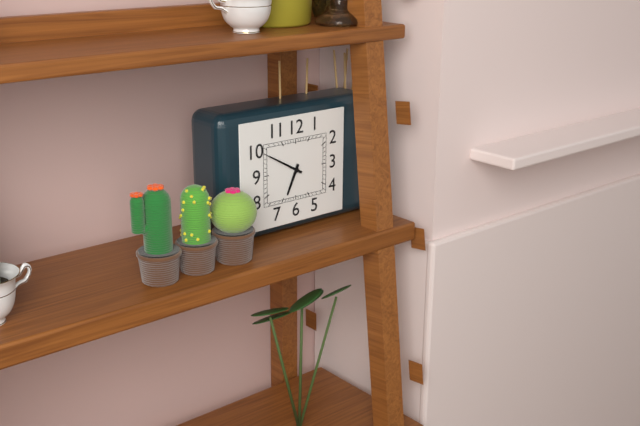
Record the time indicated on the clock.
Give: 6:50
